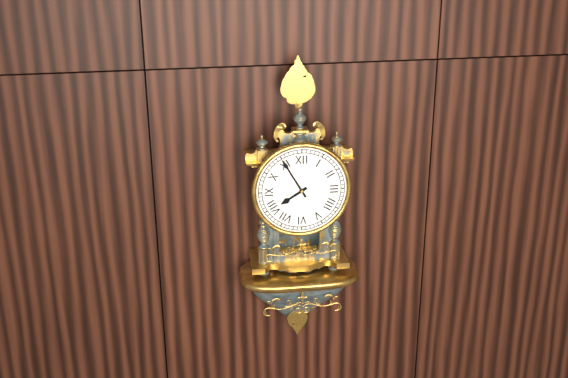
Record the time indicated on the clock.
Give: 7:55
